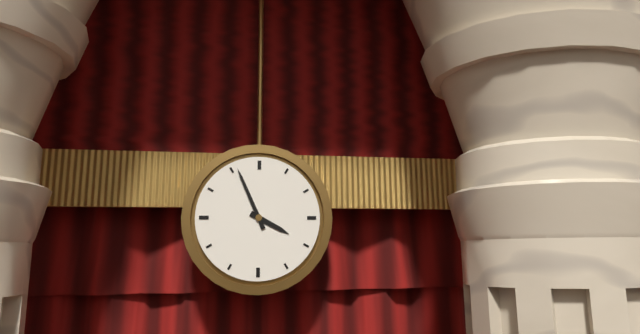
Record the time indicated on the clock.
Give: 3:56
